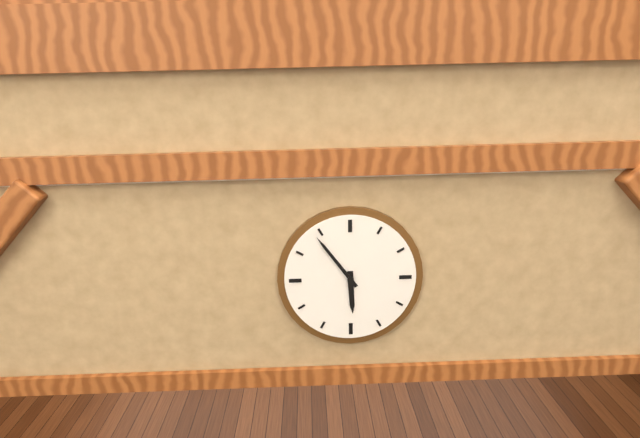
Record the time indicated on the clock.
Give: 5:54
